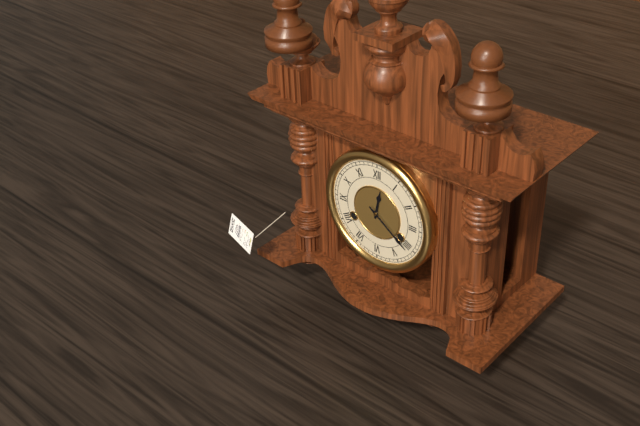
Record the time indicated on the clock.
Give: 12:21
